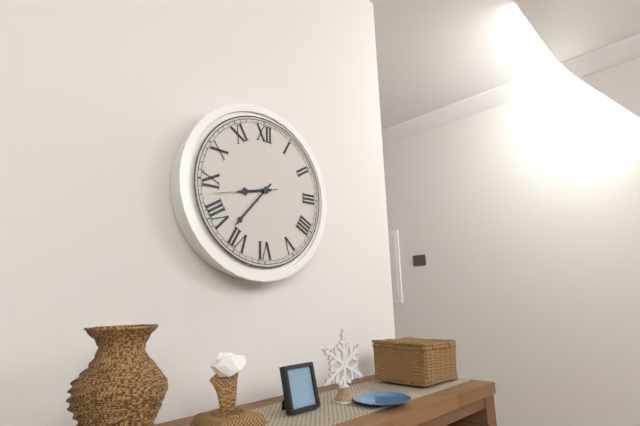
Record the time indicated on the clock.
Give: 8:37:43
